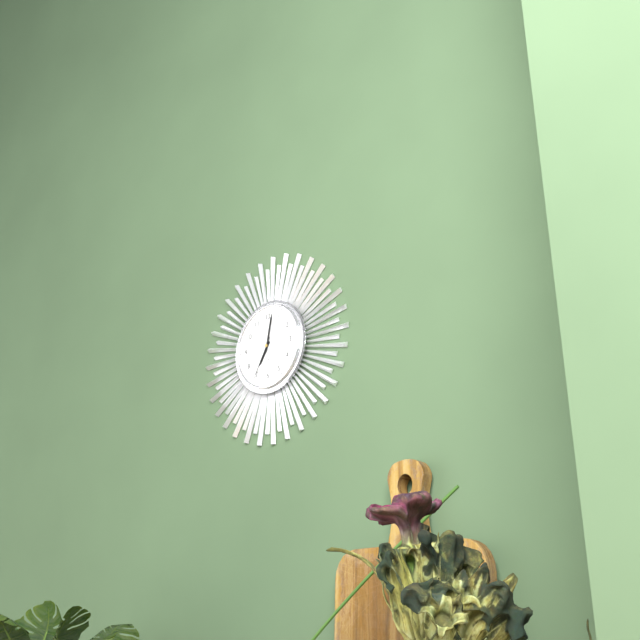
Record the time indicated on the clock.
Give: 7:02
